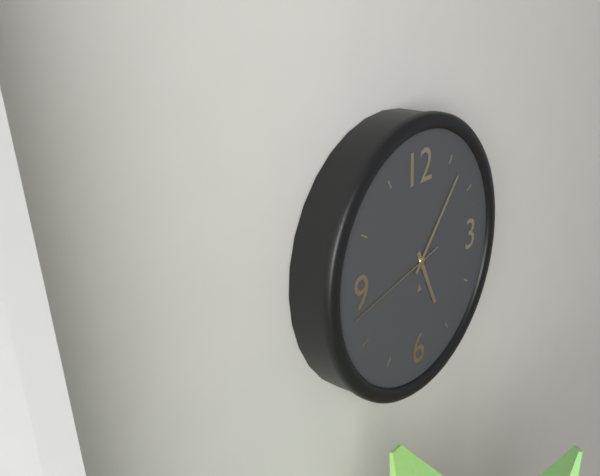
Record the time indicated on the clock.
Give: 5:07:43
